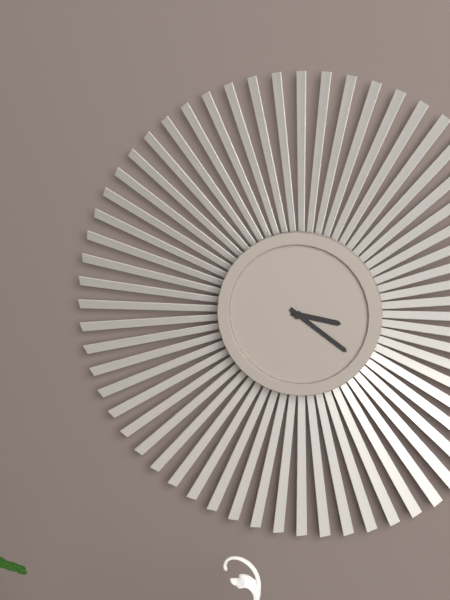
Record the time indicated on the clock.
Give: 3:21
